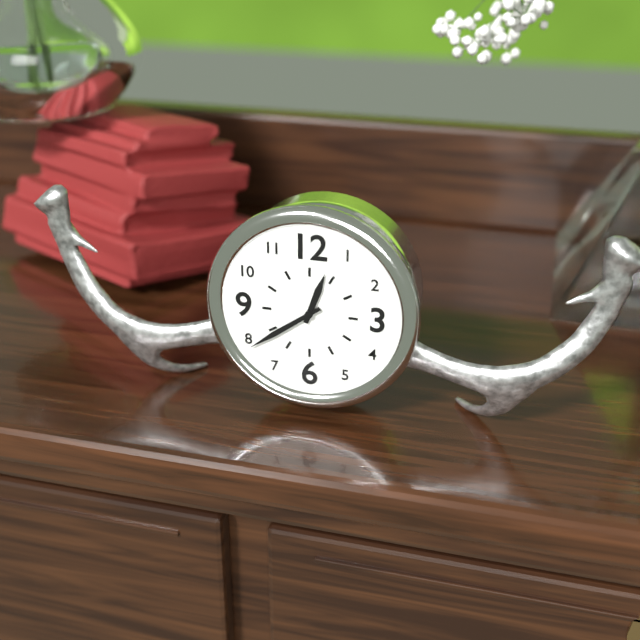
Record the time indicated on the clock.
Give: 12:39
